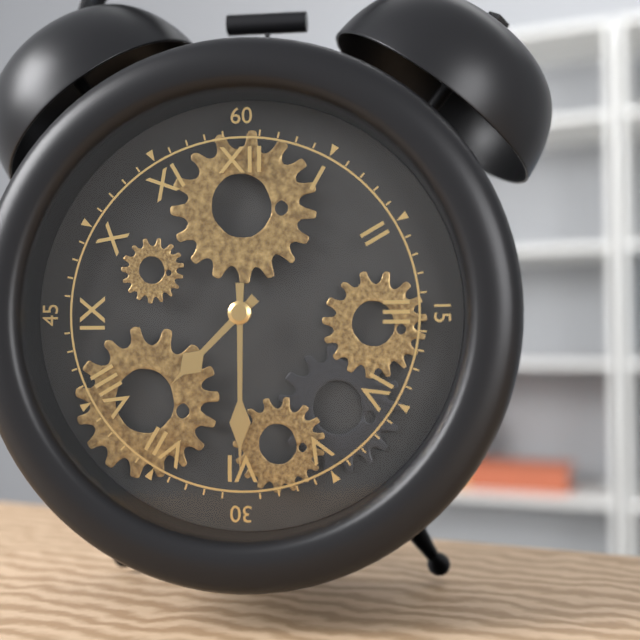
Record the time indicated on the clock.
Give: 7:30
